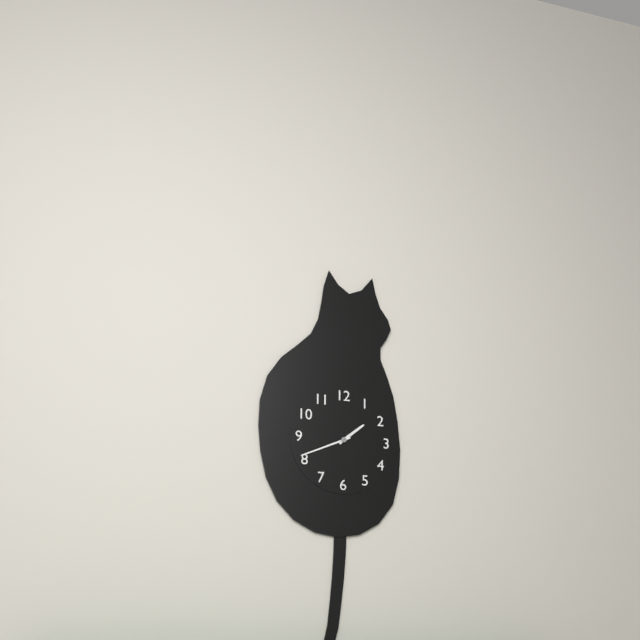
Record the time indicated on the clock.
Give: 1:41
